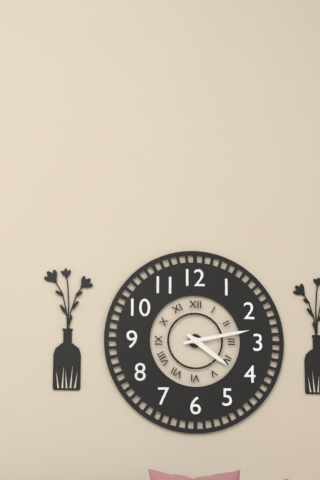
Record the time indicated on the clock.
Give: 4:13
